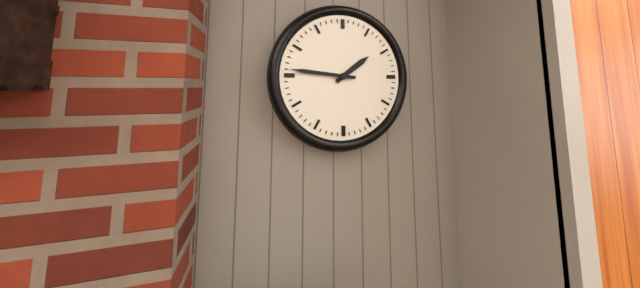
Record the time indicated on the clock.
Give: 1:46
